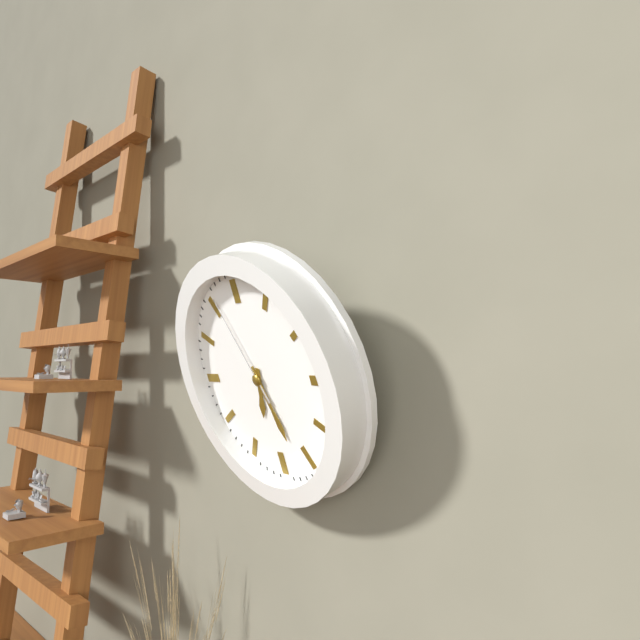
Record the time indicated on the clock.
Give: 6:27:56
